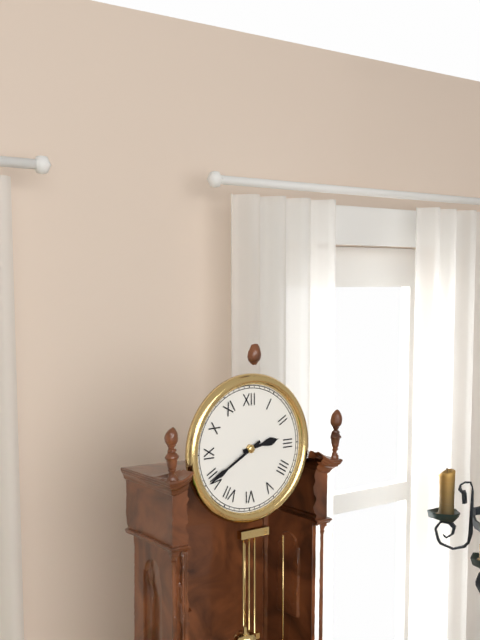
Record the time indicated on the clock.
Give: 2:40
